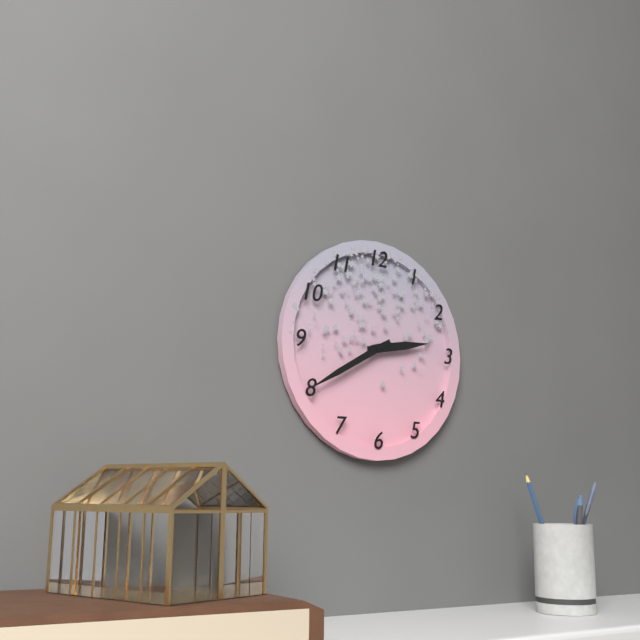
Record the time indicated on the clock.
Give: 2:40
